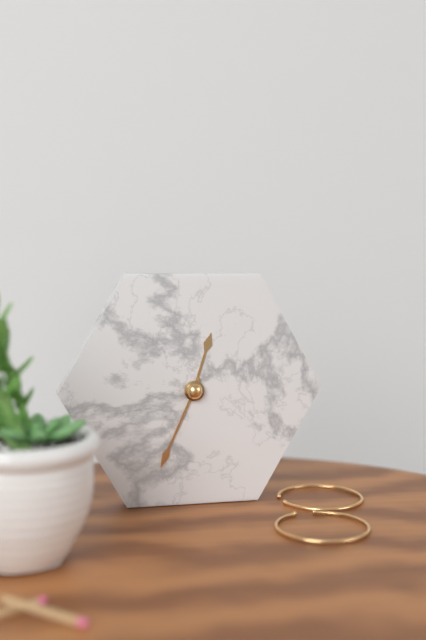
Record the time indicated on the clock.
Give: 12:34
